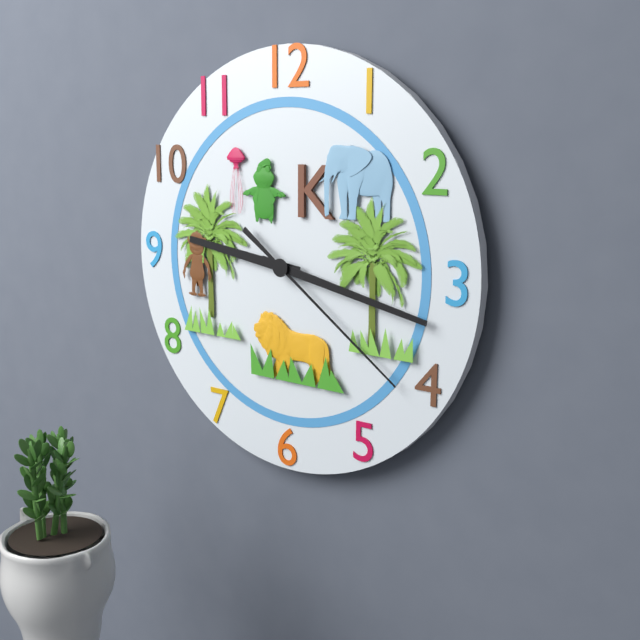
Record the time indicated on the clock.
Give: 9:17:21
